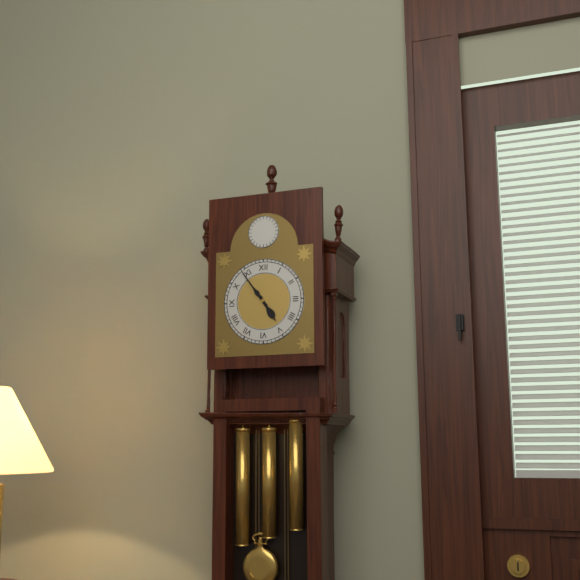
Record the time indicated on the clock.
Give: 4:54
